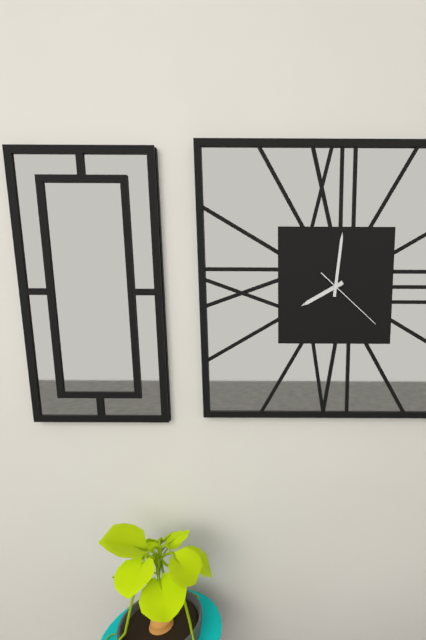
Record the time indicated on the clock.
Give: 8:01:22
